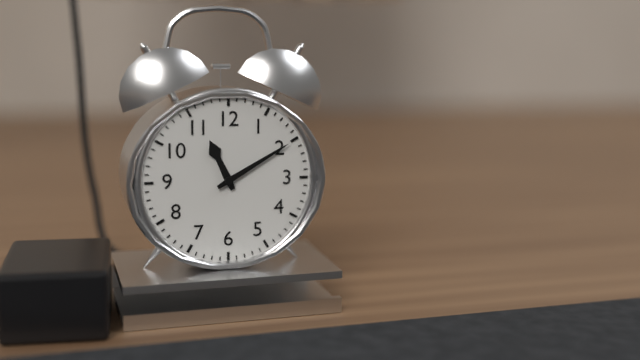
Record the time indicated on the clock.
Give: 11:10
